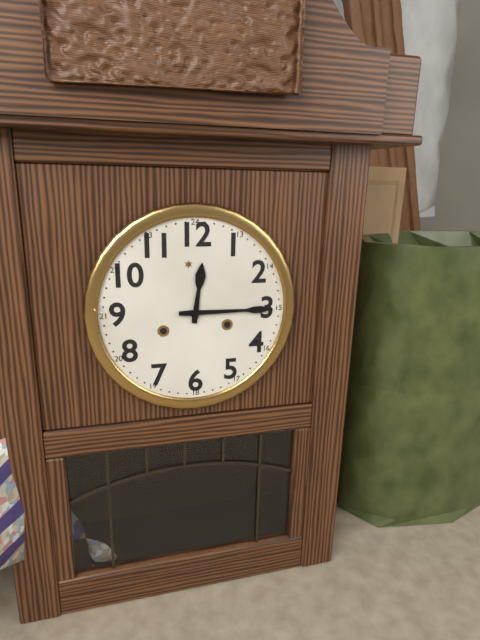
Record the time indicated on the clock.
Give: 12:15
